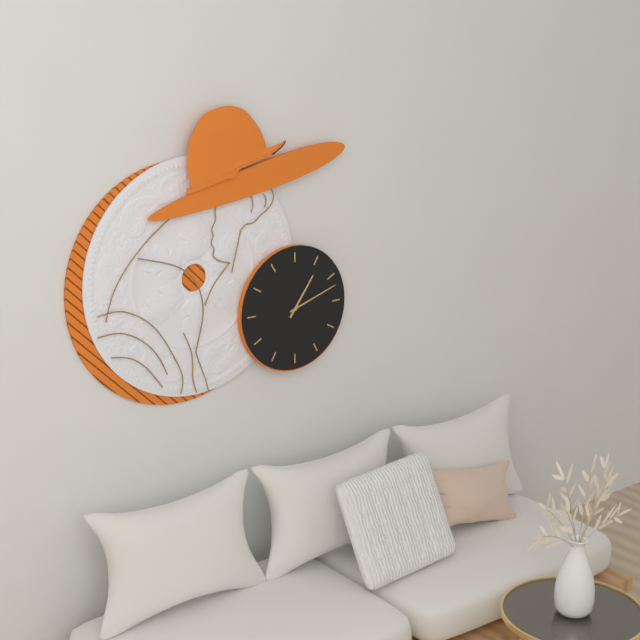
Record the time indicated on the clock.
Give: 1:12
